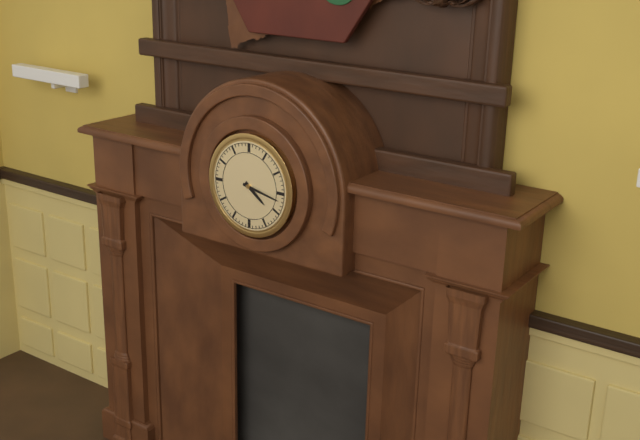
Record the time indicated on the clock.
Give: 4:17
